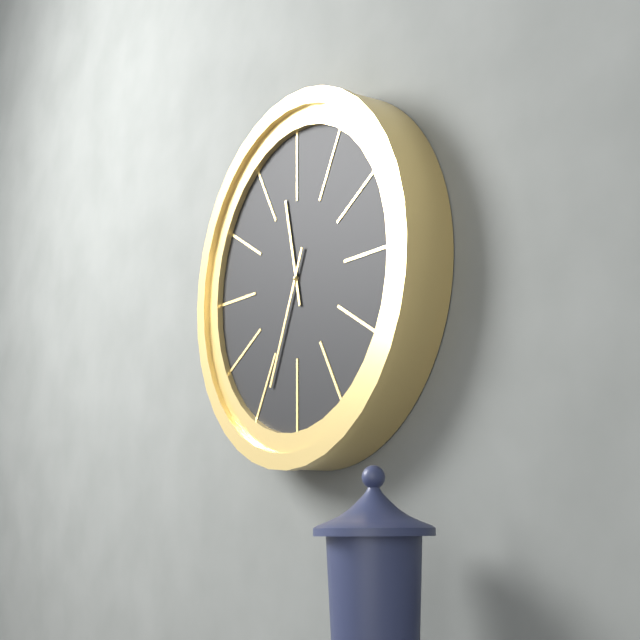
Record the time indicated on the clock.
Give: 11:34
